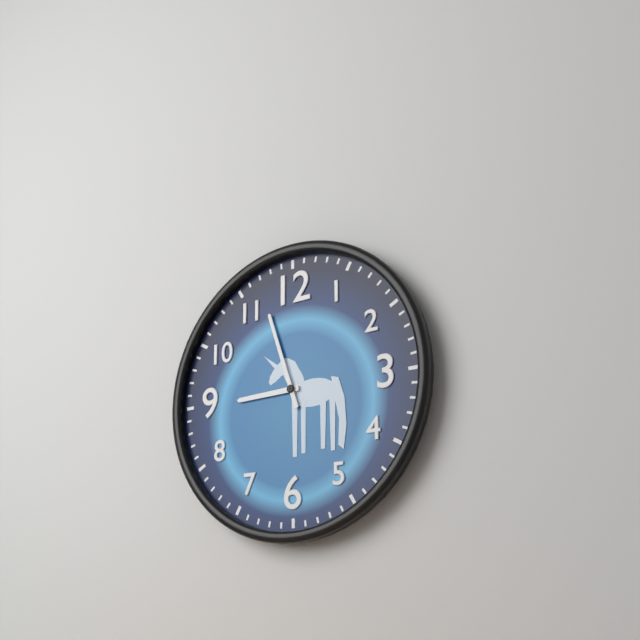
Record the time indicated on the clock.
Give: 8:57
